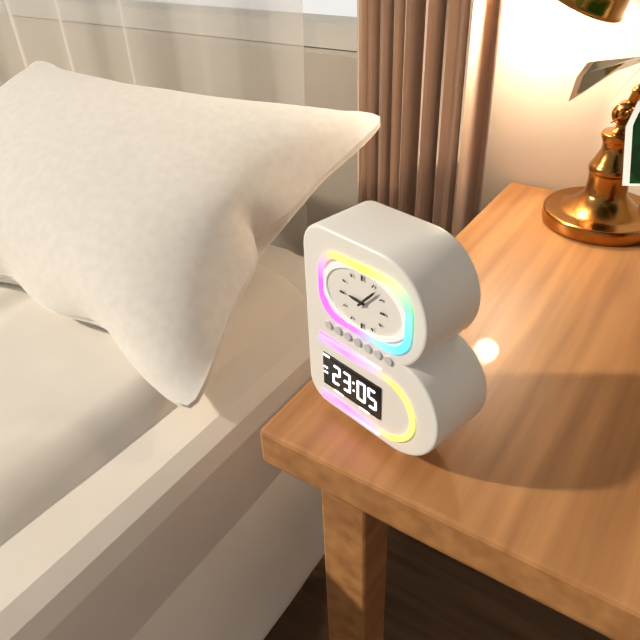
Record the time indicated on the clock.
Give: 9:07
